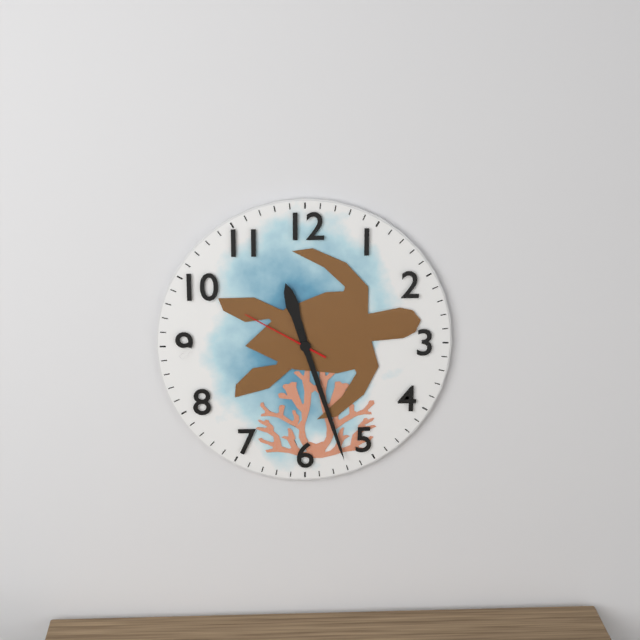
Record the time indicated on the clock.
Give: 11:27:50
